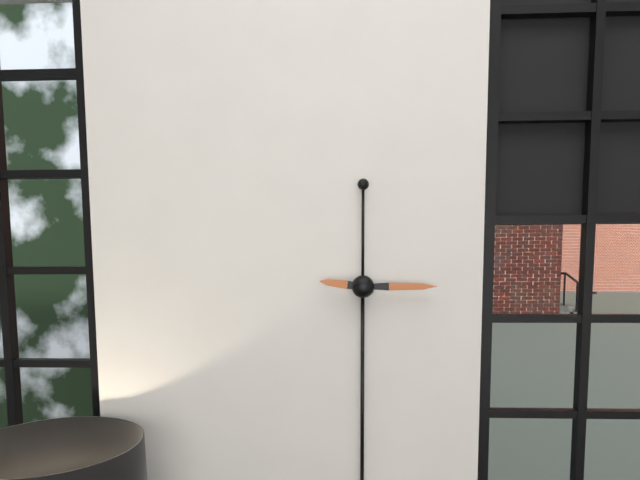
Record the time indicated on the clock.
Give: 9:15
